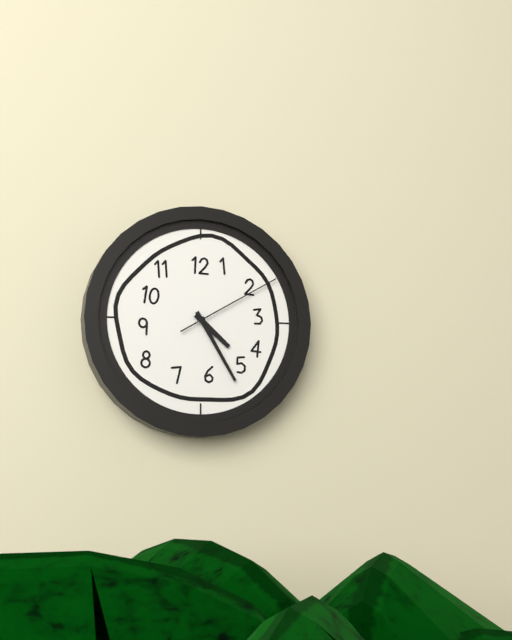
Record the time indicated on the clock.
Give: 4:25:10
